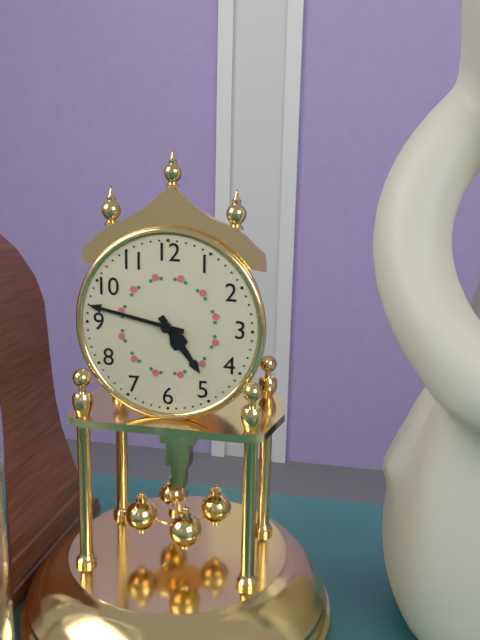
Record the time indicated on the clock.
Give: 4:47
